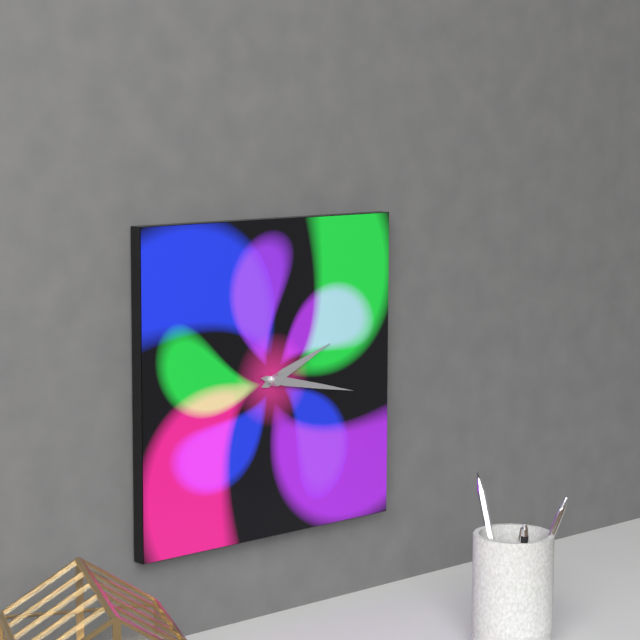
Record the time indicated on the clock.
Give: 2:17
